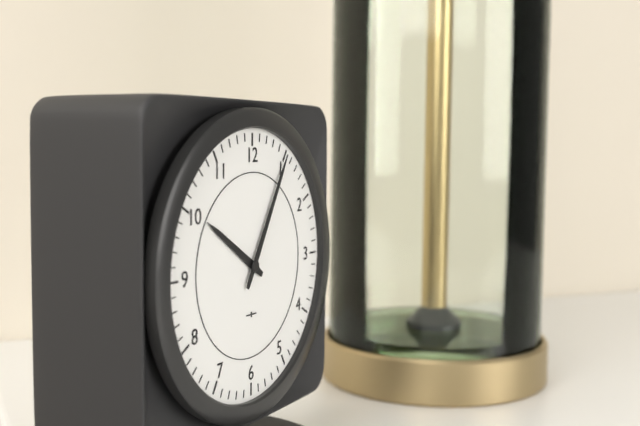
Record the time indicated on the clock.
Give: 10:05
